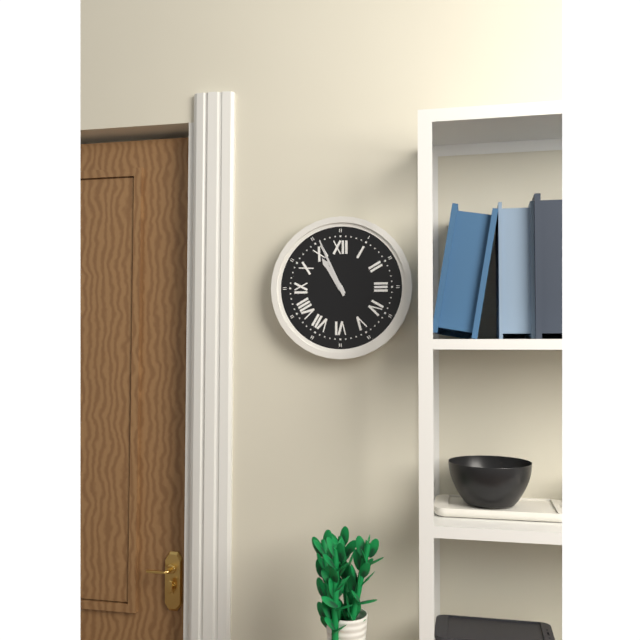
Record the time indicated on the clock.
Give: 10:56
